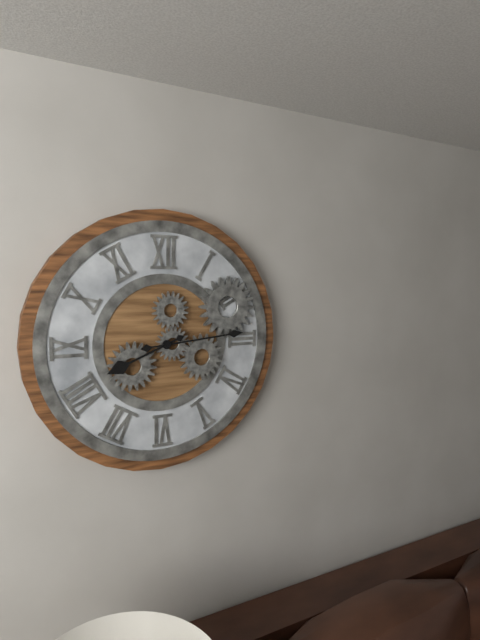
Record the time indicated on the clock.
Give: 8:14
